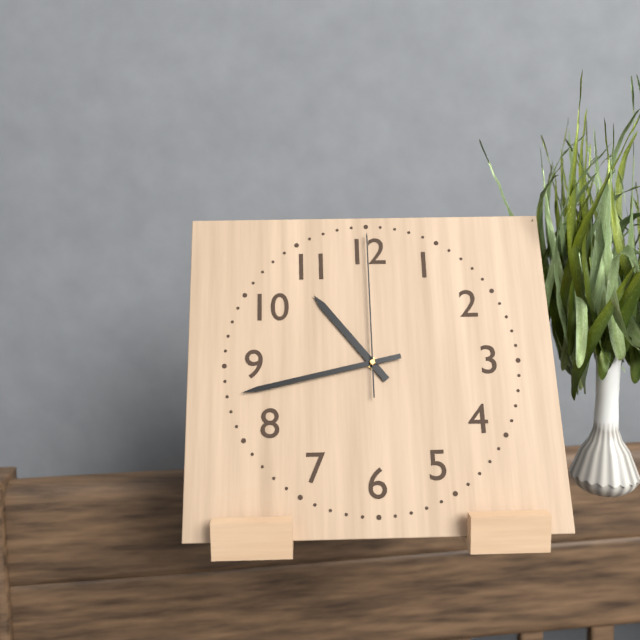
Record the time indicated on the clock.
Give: 10:43:00
